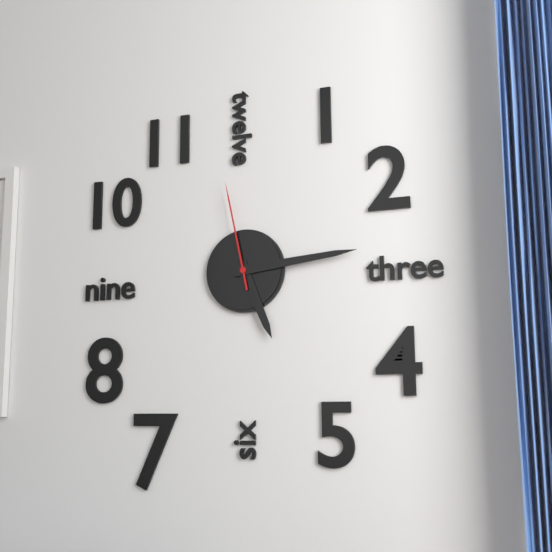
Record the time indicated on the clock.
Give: 5:14:58
